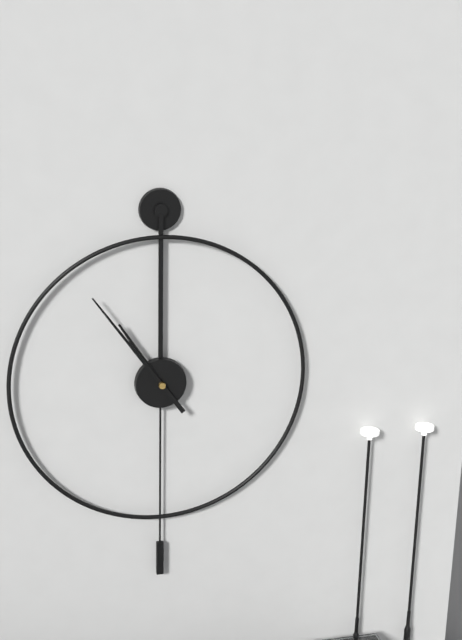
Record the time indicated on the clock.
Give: 10:54
